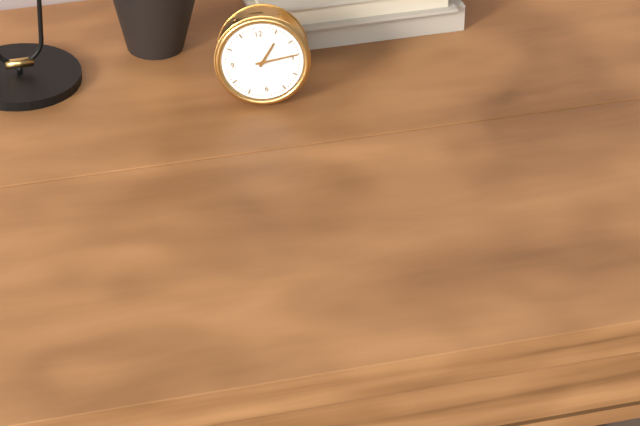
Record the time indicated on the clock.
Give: 1:14
